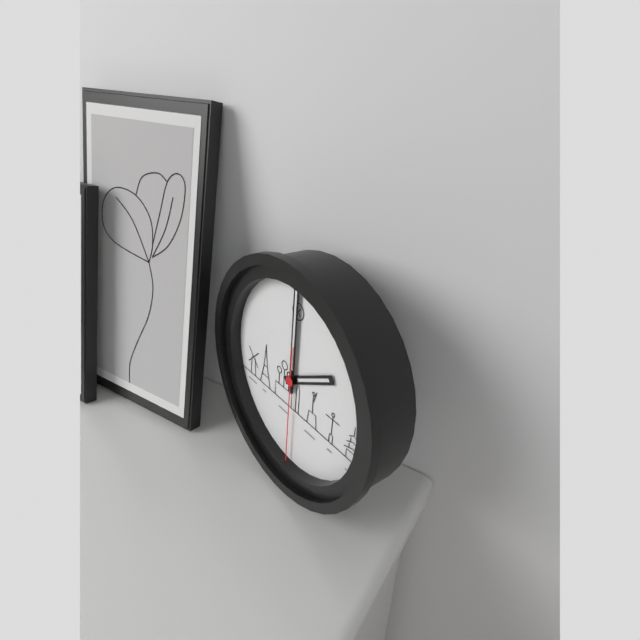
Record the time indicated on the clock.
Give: 2:00:30
